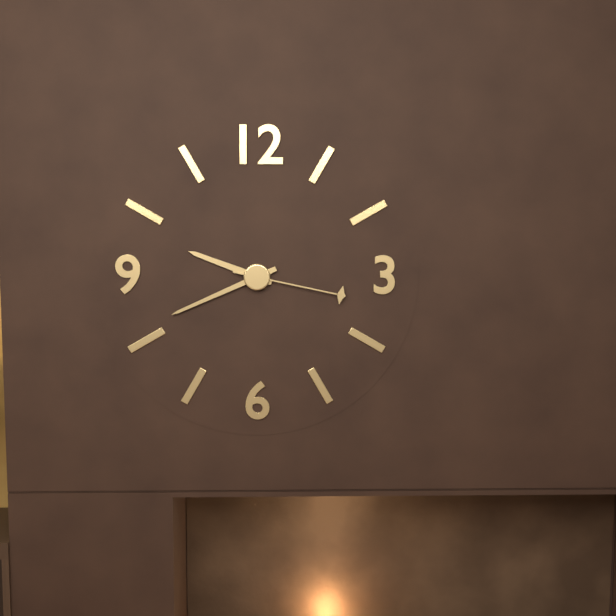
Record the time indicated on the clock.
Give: 9:41:17
